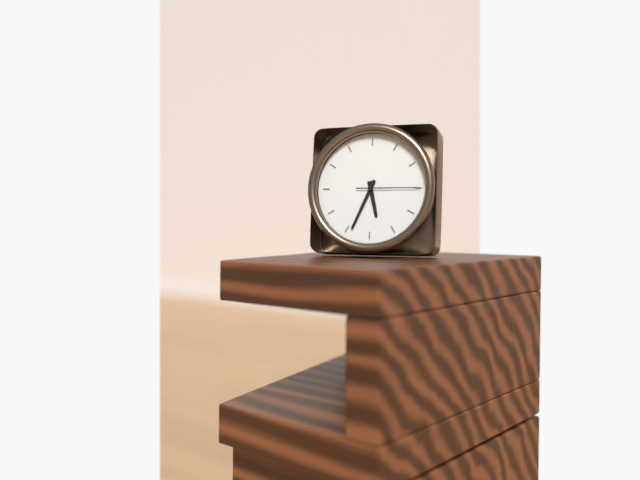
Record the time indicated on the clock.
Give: 5:34:15
